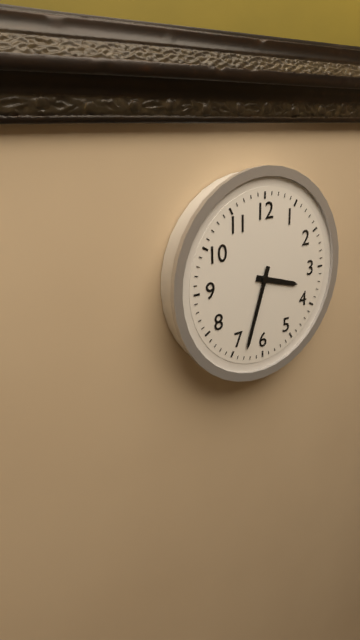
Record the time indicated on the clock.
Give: 3:33
